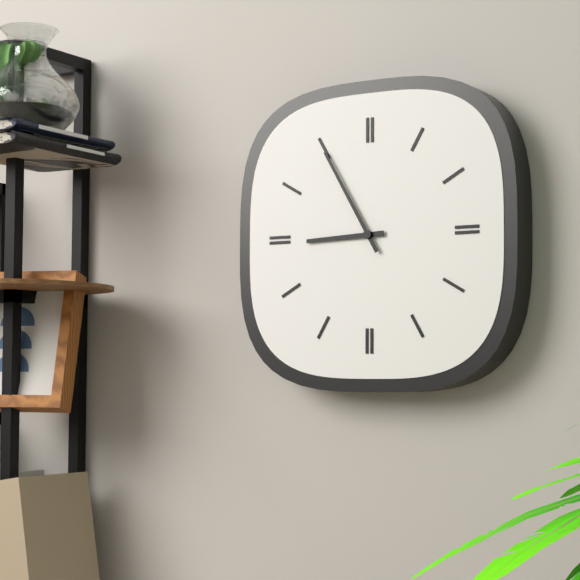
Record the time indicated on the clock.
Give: 8:55
